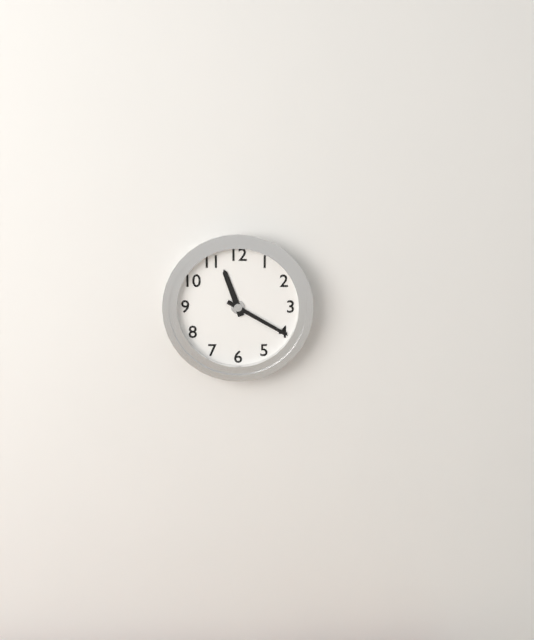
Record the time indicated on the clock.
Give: 11:20
